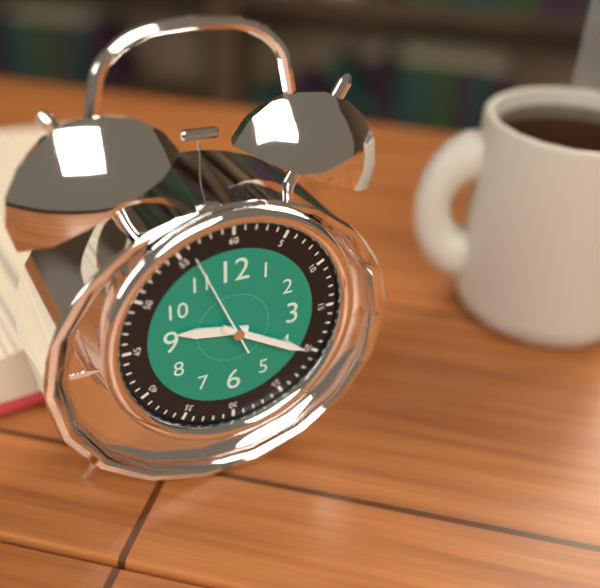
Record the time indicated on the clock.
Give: 9:20:56
